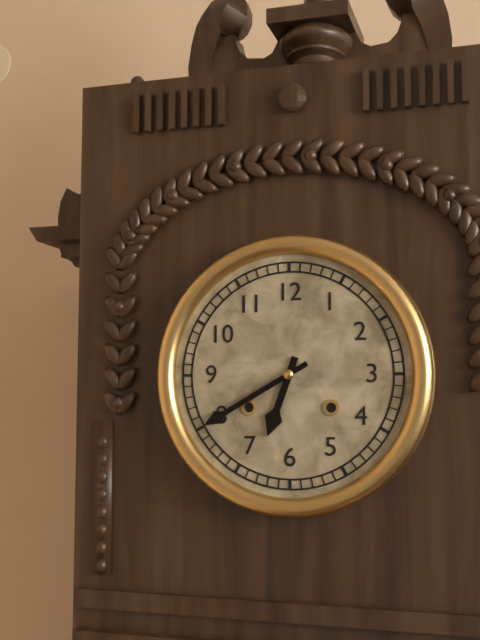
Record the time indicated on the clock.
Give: 6:40
